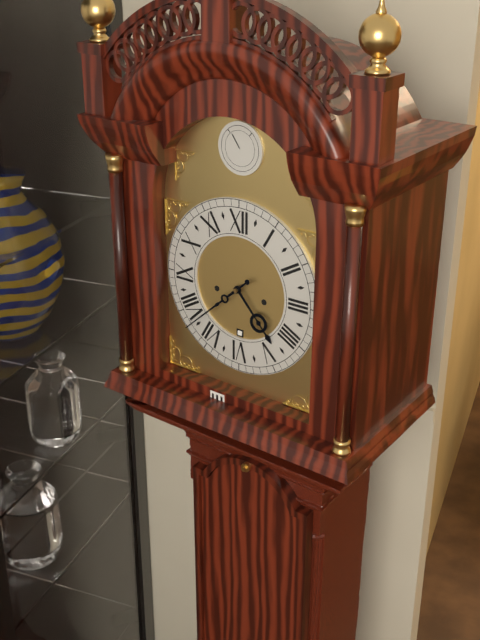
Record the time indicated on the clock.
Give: 4:38
